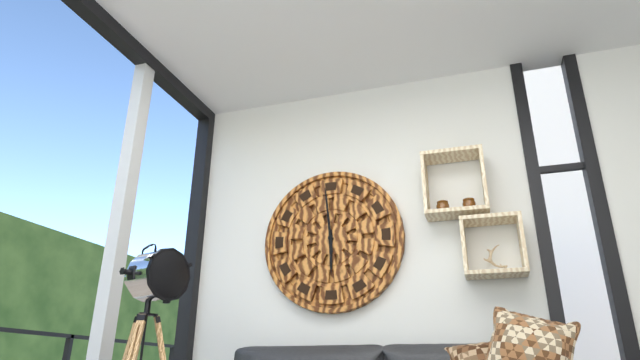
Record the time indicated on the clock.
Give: 5:59
